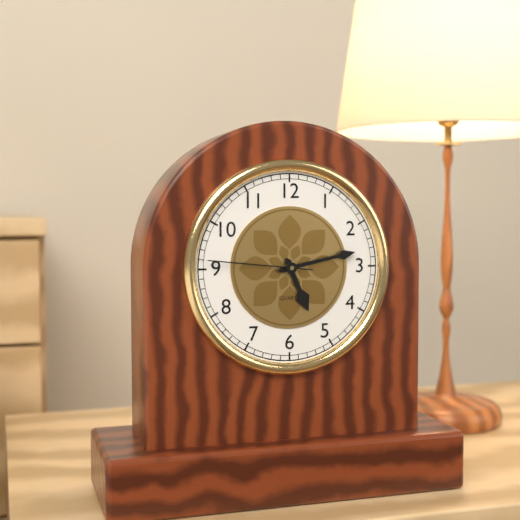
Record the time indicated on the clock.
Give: 5:13:46
